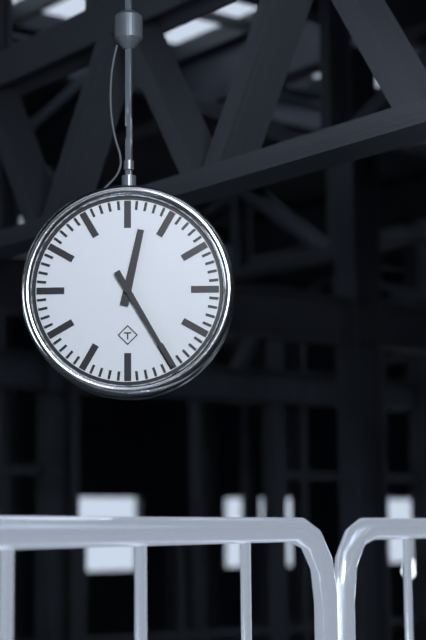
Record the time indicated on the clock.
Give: 12:25
